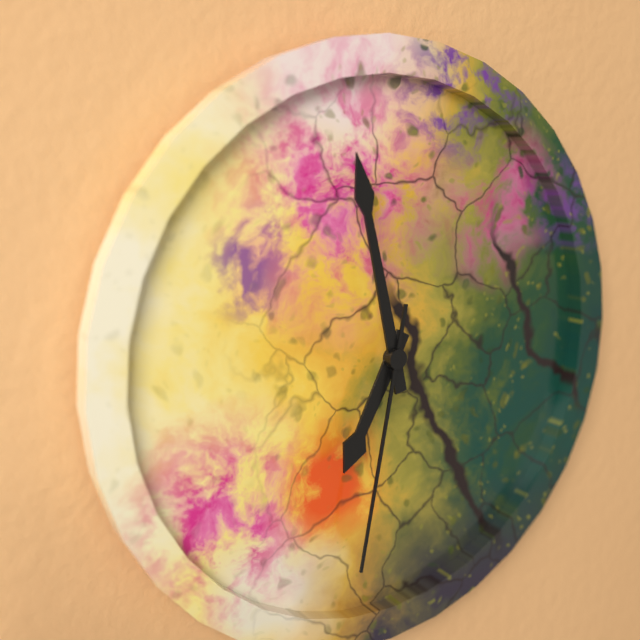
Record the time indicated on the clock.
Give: 6:58:32
